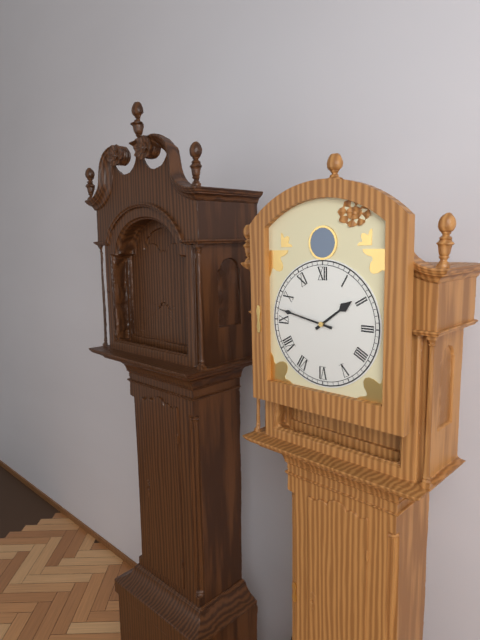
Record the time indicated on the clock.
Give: 1:47
